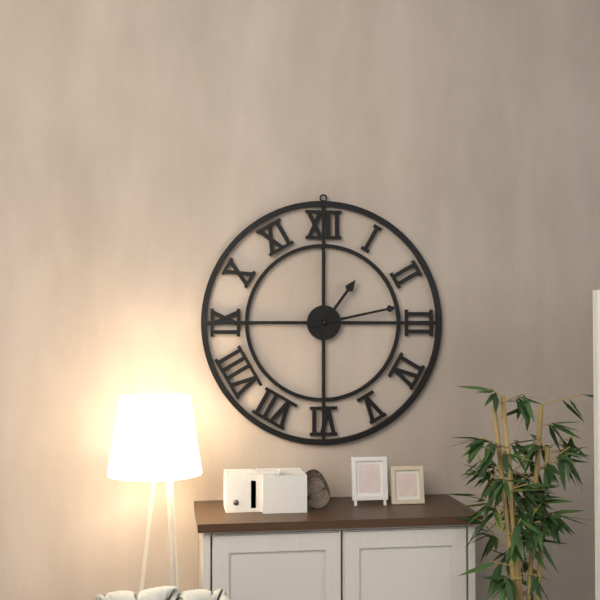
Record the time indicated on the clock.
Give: 1:13
